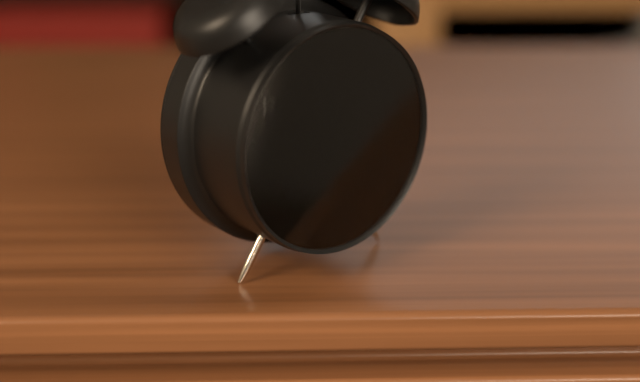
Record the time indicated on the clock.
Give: 1:22:36
